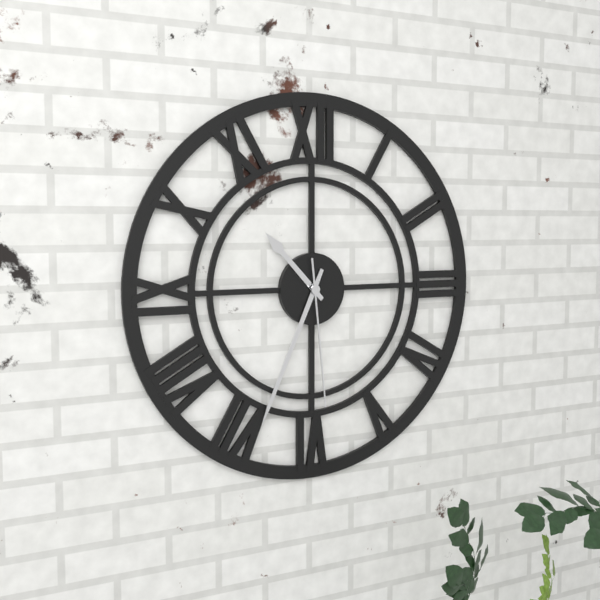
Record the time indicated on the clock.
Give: 10:34:29
